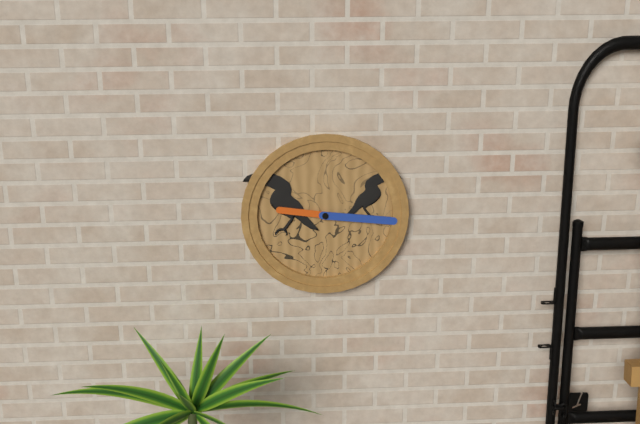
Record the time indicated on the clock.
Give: 9:16
